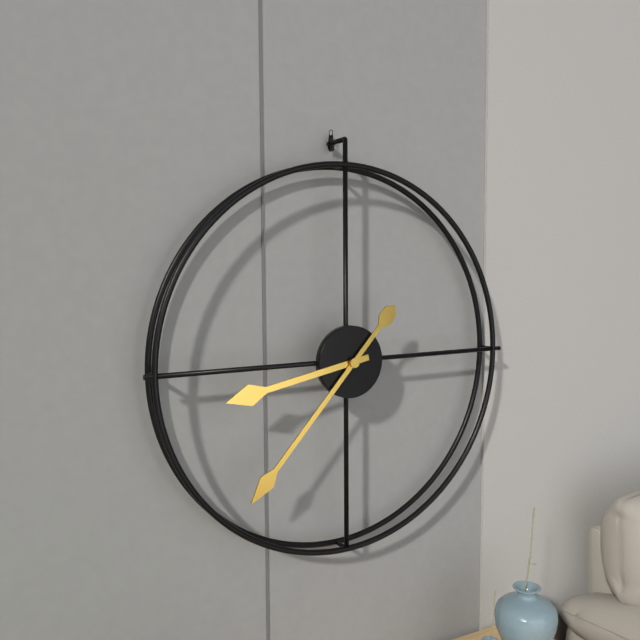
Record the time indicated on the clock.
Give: 8:37
